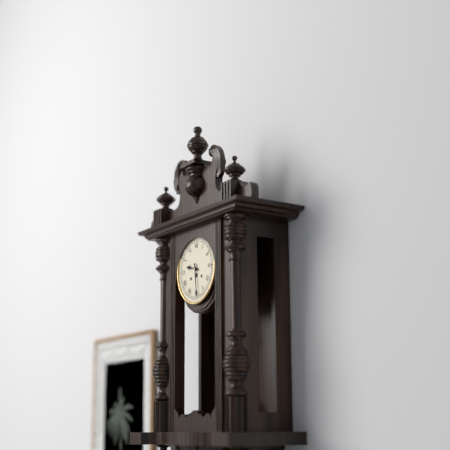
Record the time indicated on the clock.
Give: 9:29
